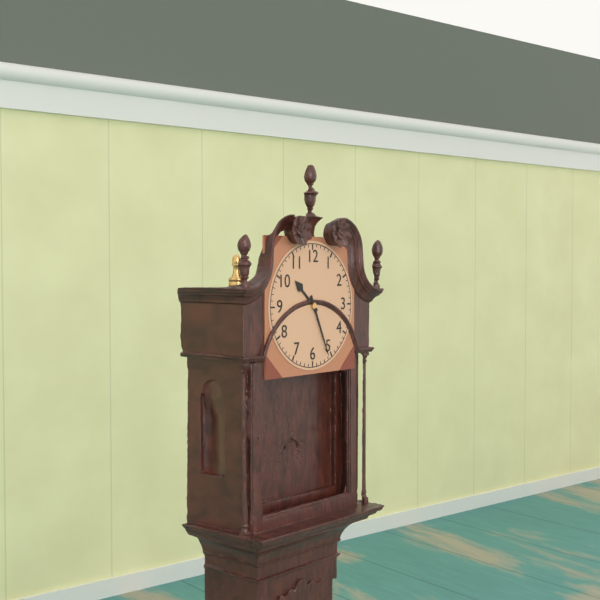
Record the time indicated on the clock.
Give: 10:26
